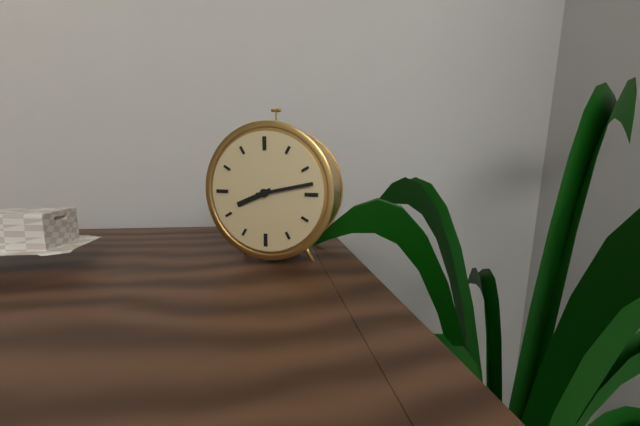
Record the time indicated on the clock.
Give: 8:13
